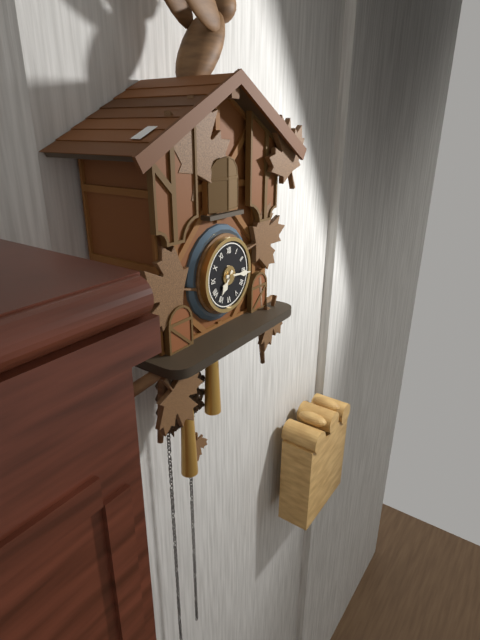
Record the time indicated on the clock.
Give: 7:16
